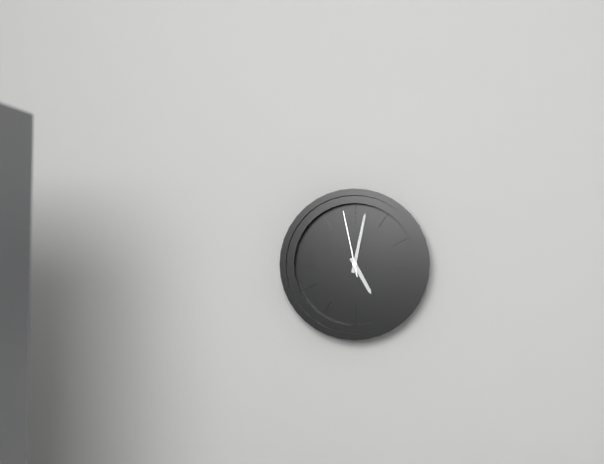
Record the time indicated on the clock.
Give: 5:02:58
